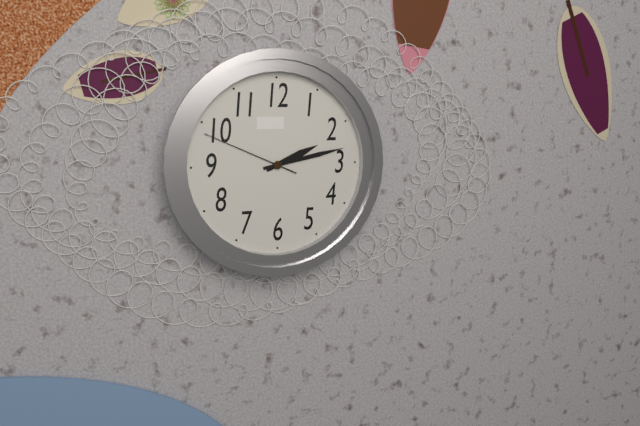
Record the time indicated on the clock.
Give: 2:13:49
